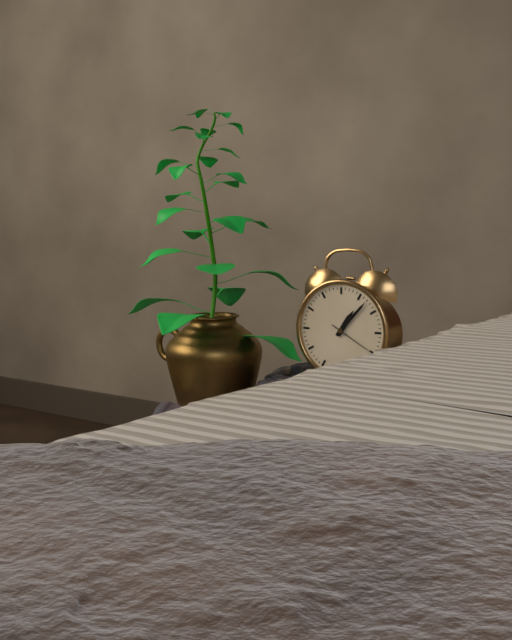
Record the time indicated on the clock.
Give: 1:07:20
